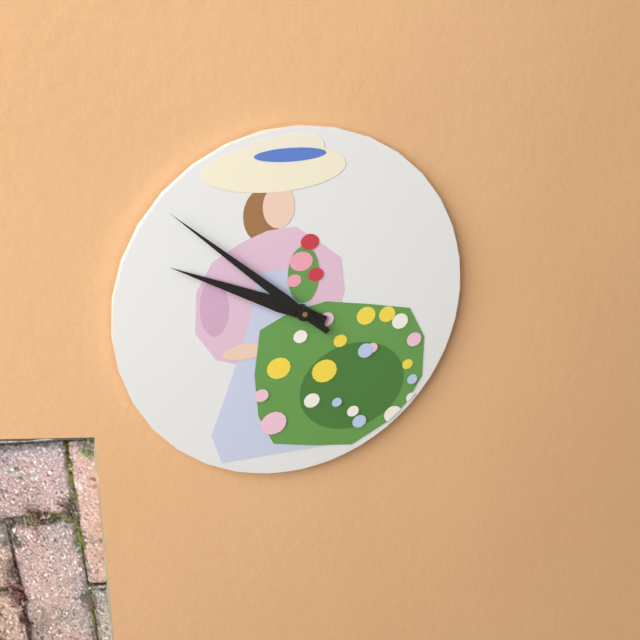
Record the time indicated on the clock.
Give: 9:52
